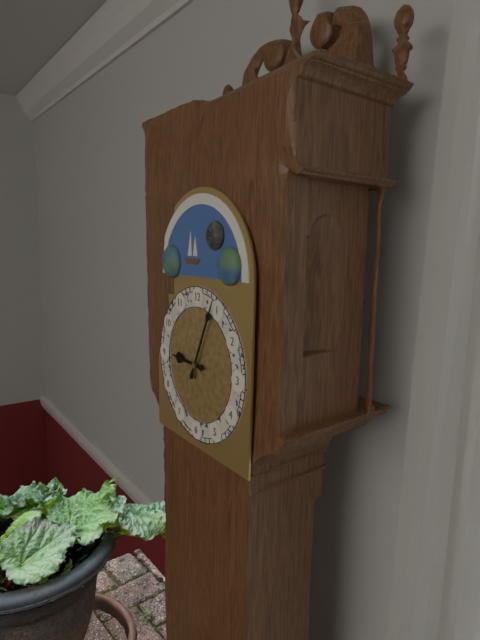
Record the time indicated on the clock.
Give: 9:04
